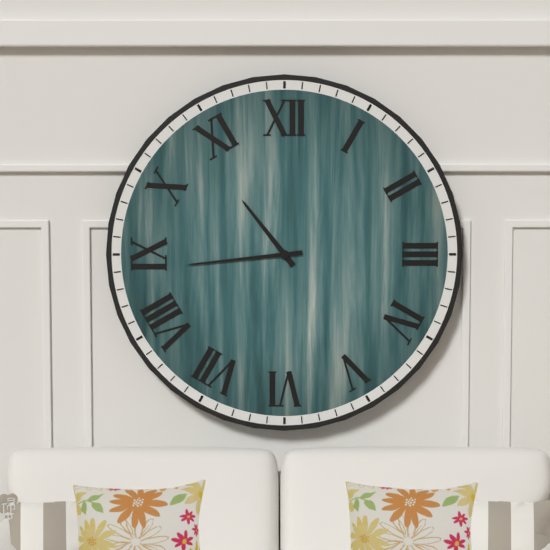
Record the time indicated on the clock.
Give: 10:44
